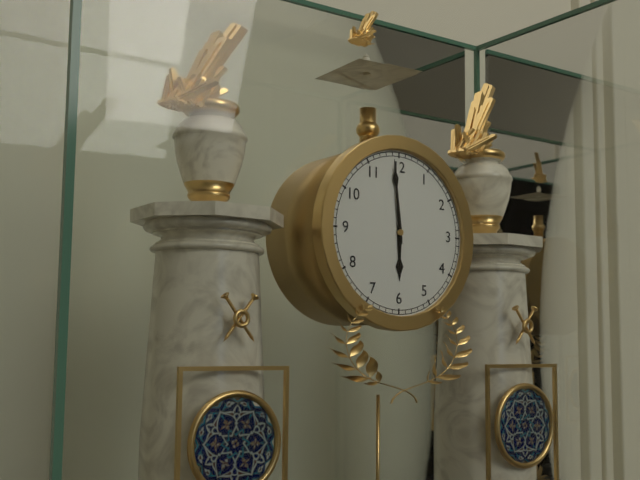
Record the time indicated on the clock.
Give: 5:59
